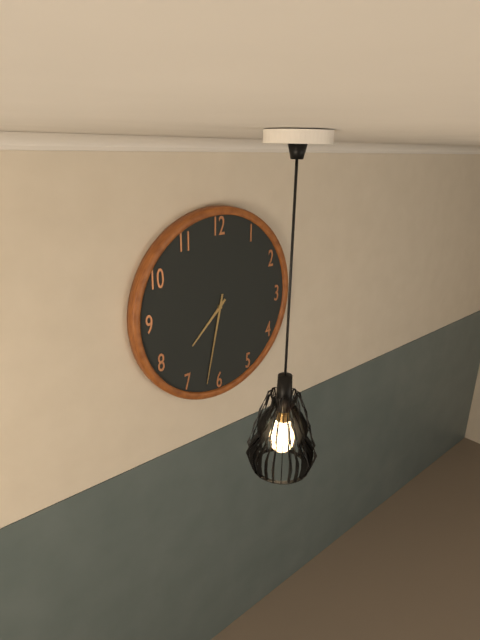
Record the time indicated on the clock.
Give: 7:32
